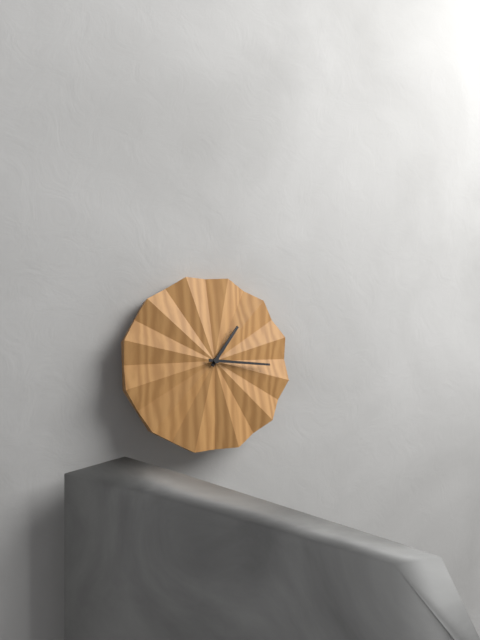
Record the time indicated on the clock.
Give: 1:16
